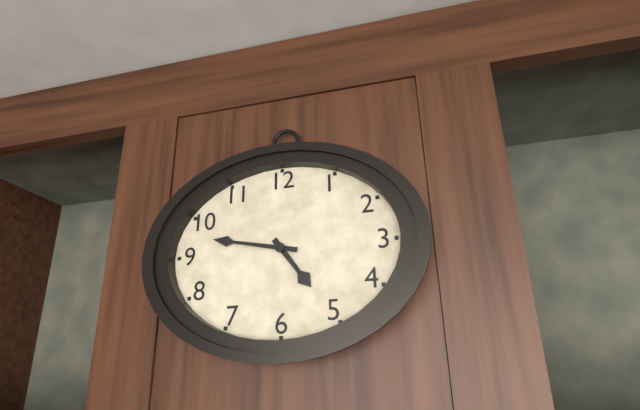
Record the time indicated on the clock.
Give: 4:47
